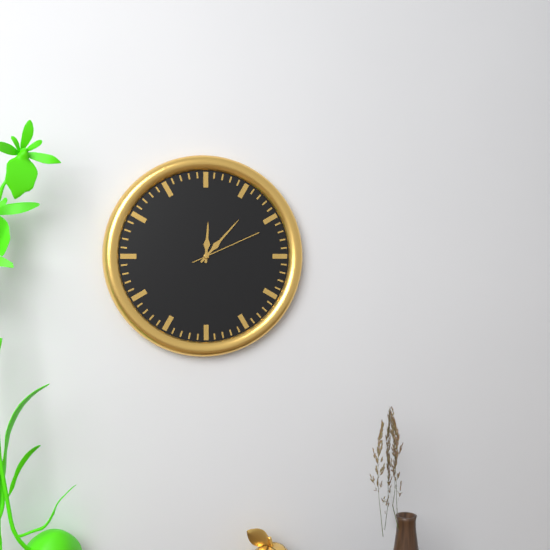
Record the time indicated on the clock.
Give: 12:07:11
